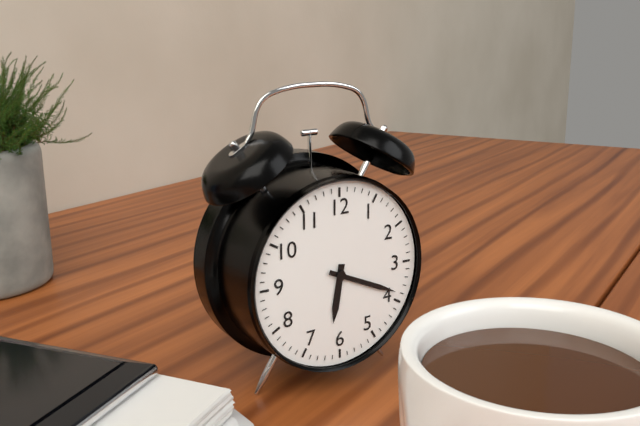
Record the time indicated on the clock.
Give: 6:19
